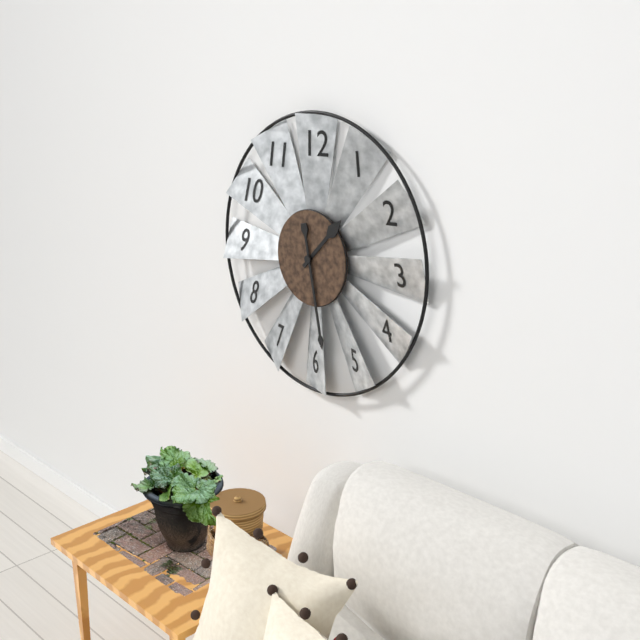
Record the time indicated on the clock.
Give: 1:28
